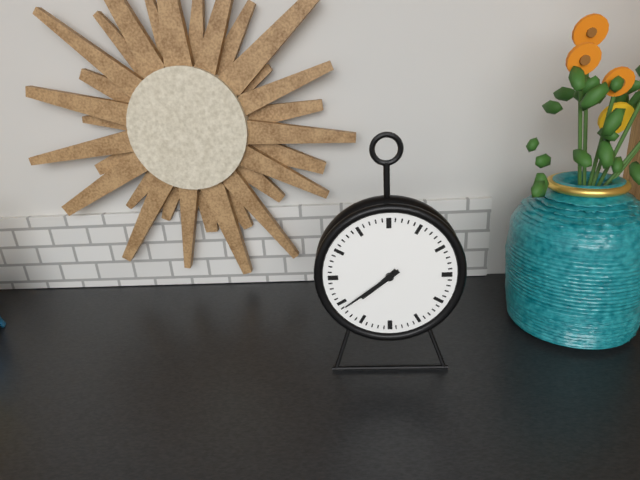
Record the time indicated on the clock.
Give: 7:39
